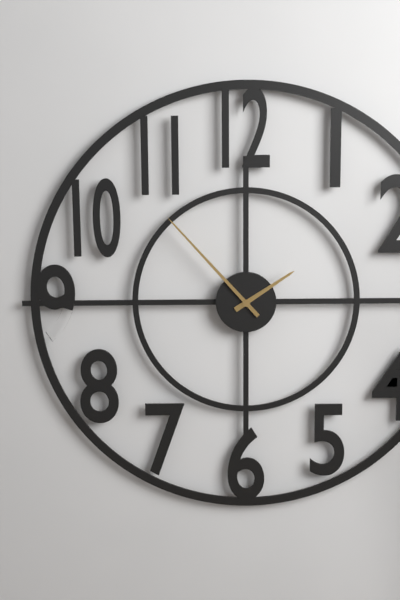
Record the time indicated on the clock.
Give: 1:53
